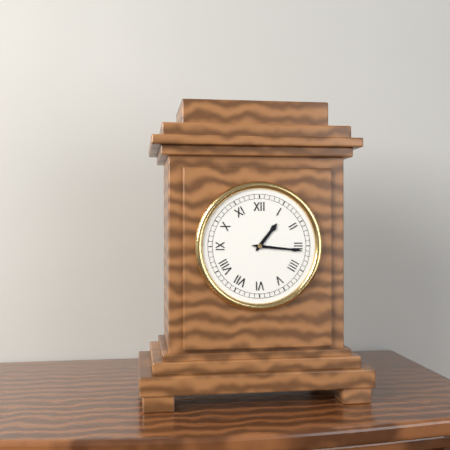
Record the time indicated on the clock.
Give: 1:16
